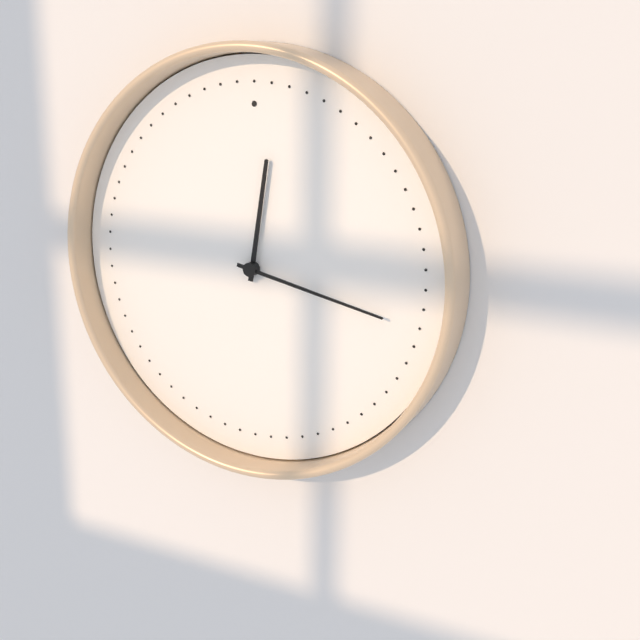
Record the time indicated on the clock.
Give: 12:17
